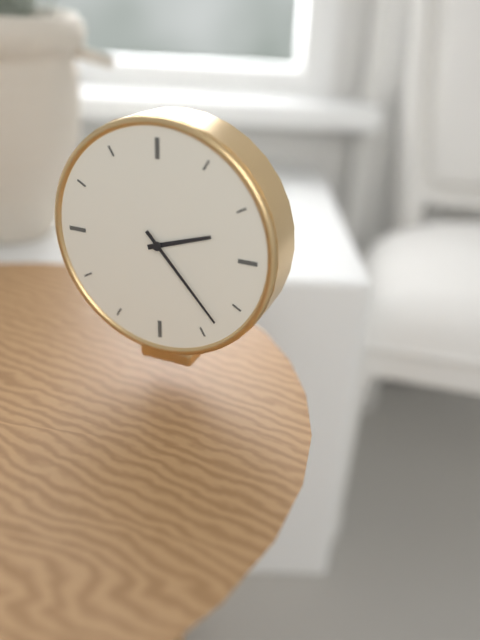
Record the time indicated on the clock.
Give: 2:23
